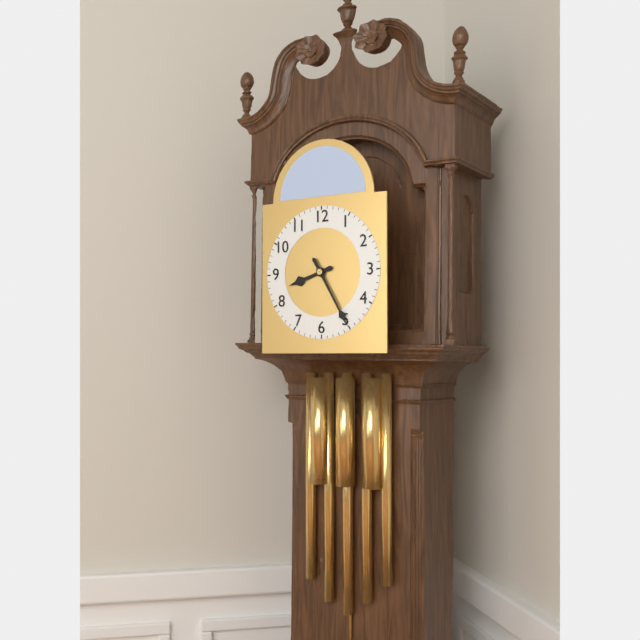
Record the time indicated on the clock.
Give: 8:25
